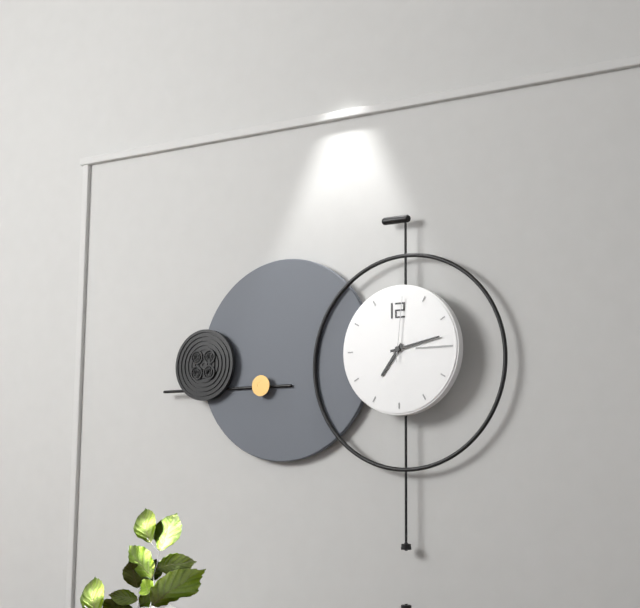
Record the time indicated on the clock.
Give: 7:13:01
